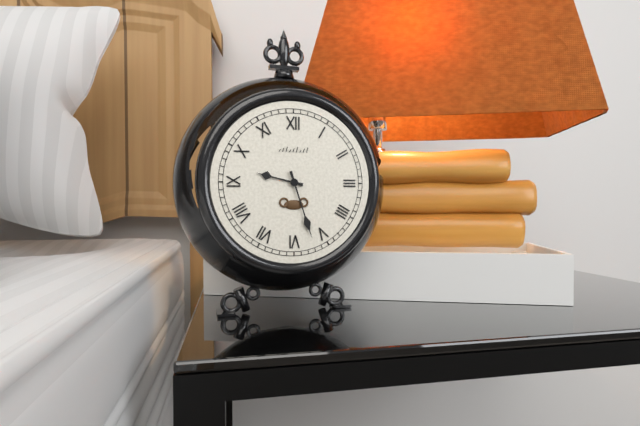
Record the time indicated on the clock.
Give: 9:27
